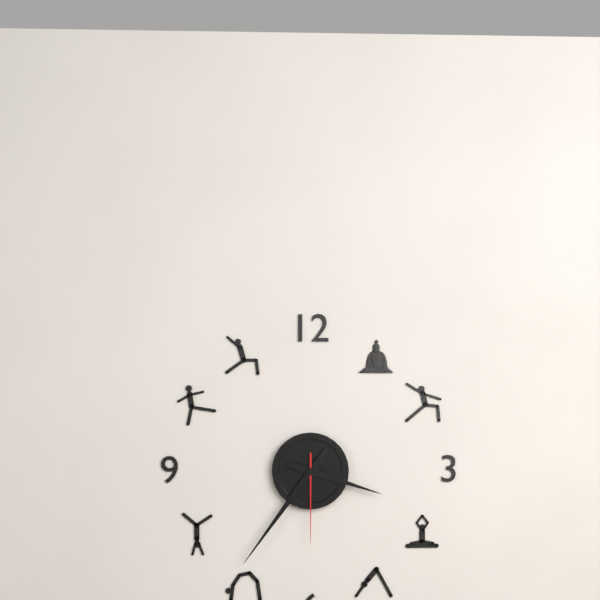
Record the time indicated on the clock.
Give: 3:36:30
